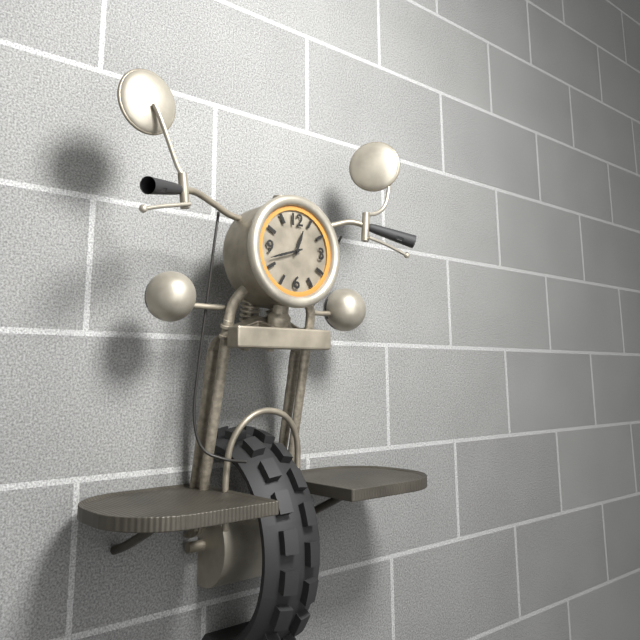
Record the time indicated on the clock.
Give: 12:42
